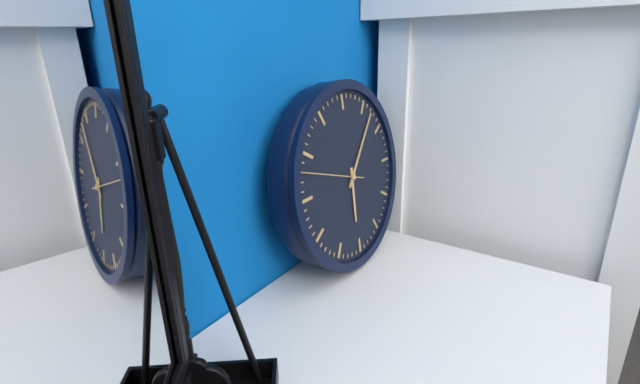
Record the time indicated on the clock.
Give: 6:07:48
